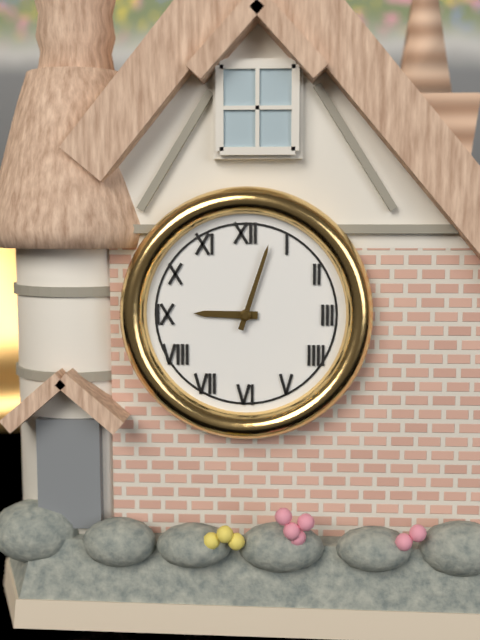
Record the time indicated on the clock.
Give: 9:03
